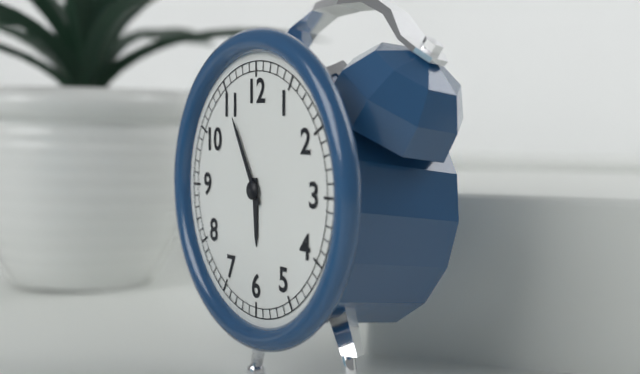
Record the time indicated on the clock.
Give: 5:55
